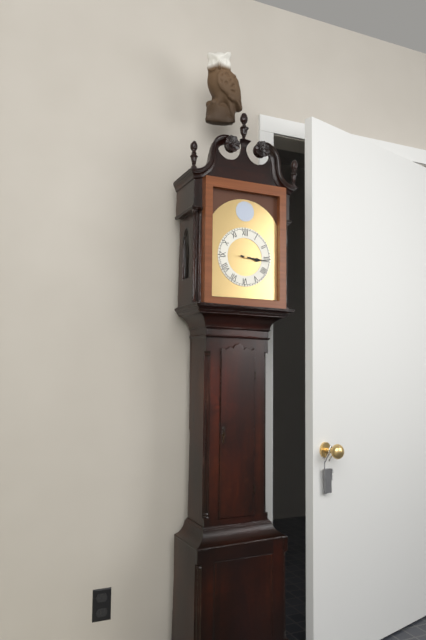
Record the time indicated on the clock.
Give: 3:16
